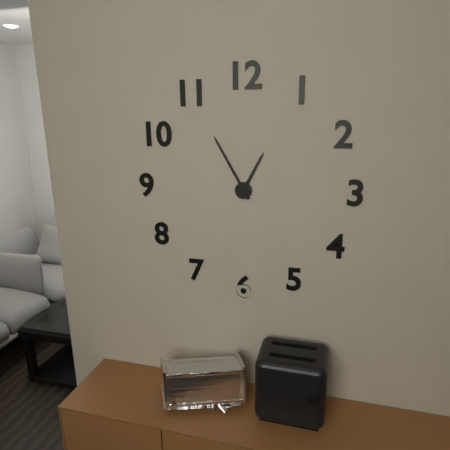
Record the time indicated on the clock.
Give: 12:55
